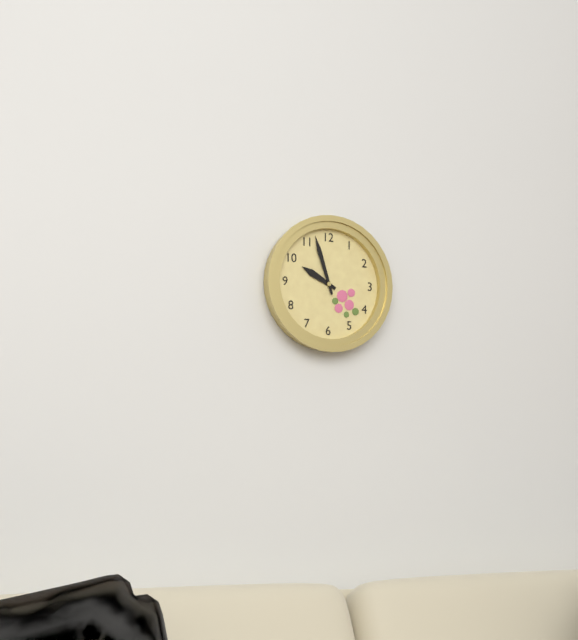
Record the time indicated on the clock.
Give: 9:57
